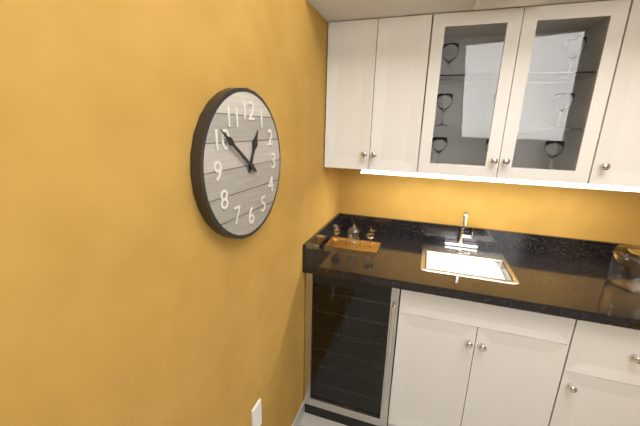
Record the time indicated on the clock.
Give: 12:51
